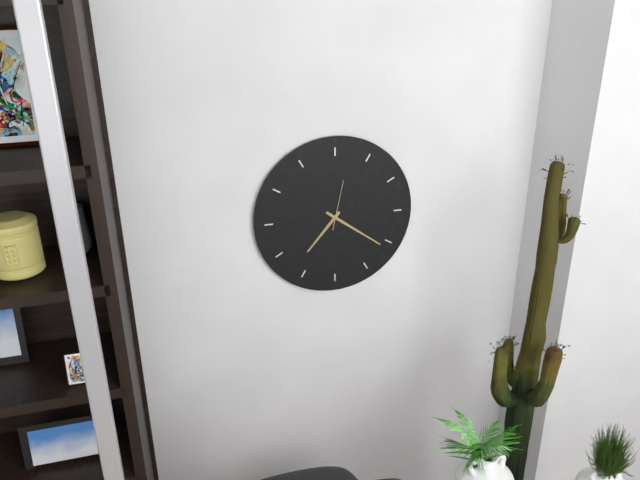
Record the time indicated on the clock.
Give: 7:21
